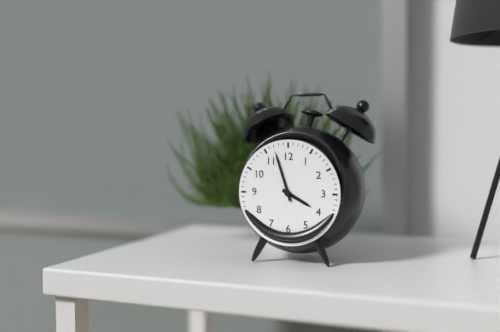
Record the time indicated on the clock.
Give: 3:57
